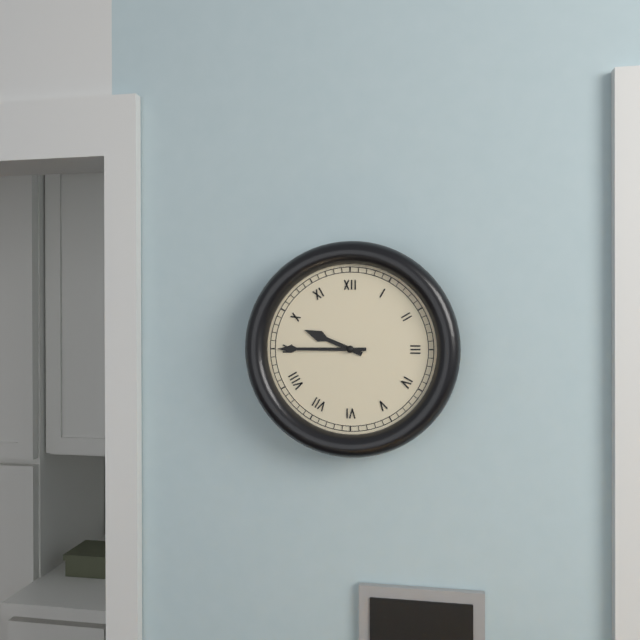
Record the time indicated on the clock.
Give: 9:45
